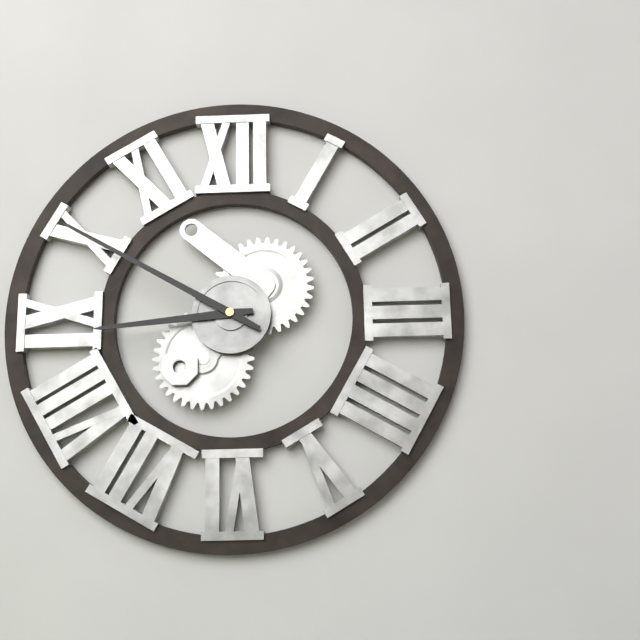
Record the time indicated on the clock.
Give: 8:50
